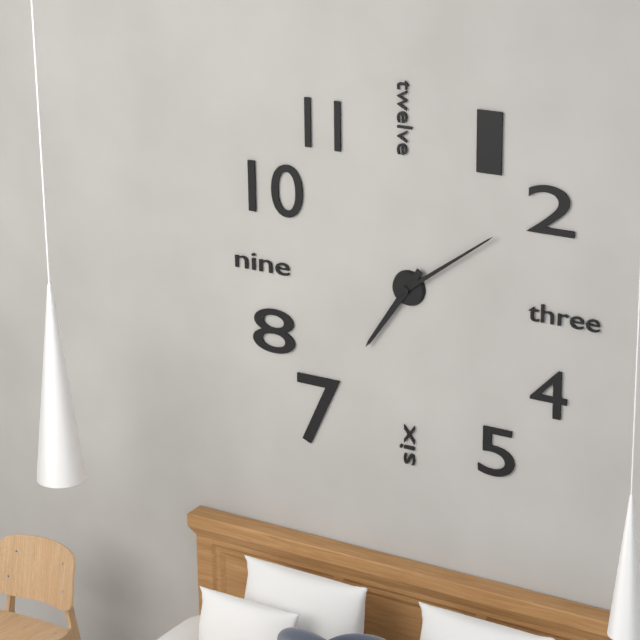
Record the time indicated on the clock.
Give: 7:09
